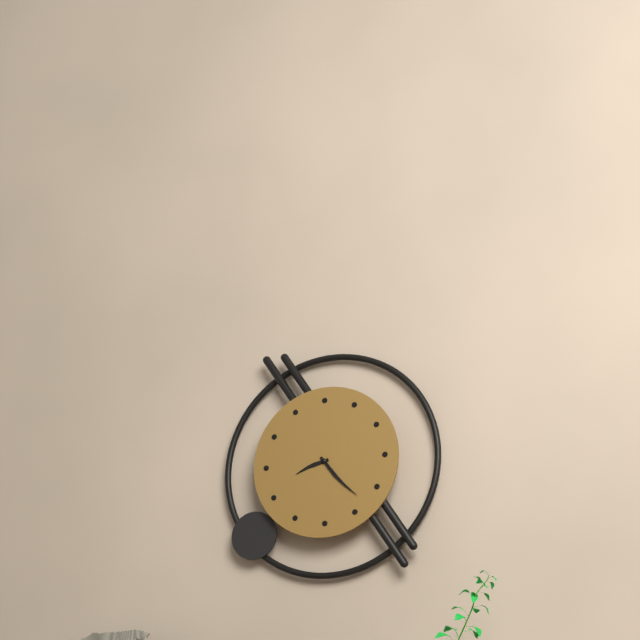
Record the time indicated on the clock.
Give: 8:23
